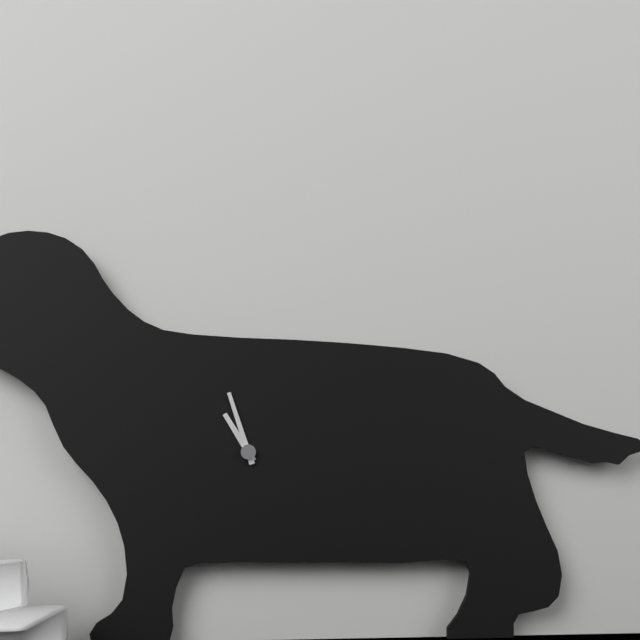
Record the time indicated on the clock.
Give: 10:57
